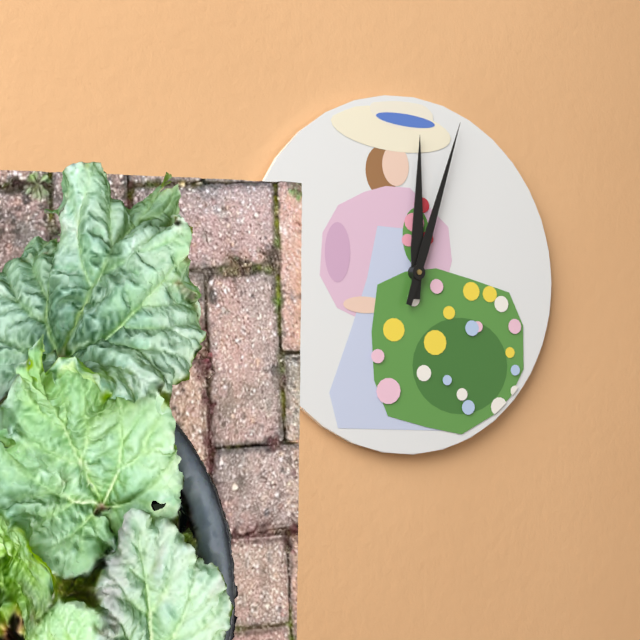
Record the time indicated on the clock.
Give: 12:03
